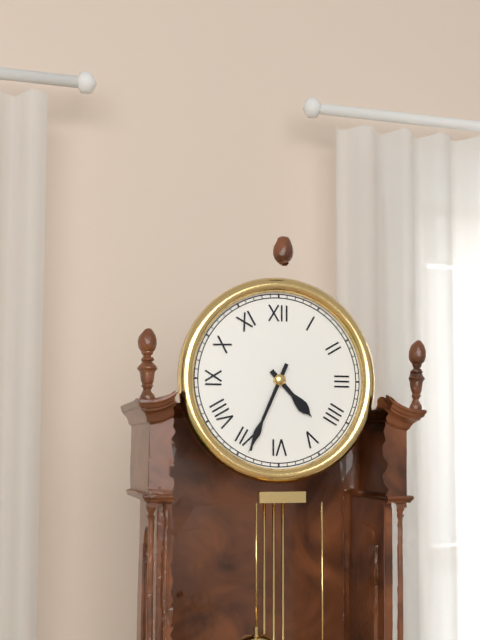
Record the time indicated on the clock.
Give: 4:34
